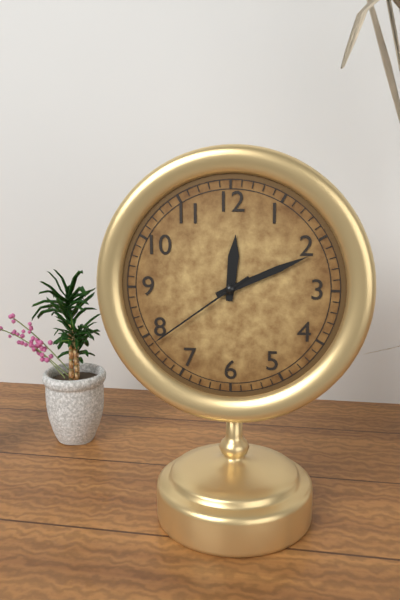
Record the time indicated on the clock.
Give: 12:11:39
